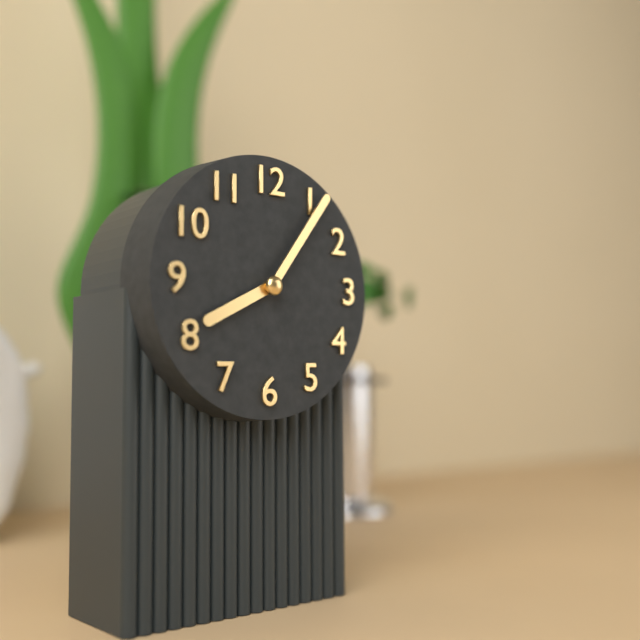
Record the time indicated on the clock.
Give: 8:06
